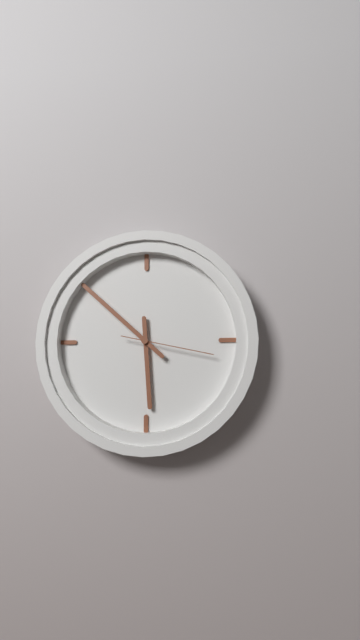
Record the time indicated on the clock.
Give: 5:52:17
